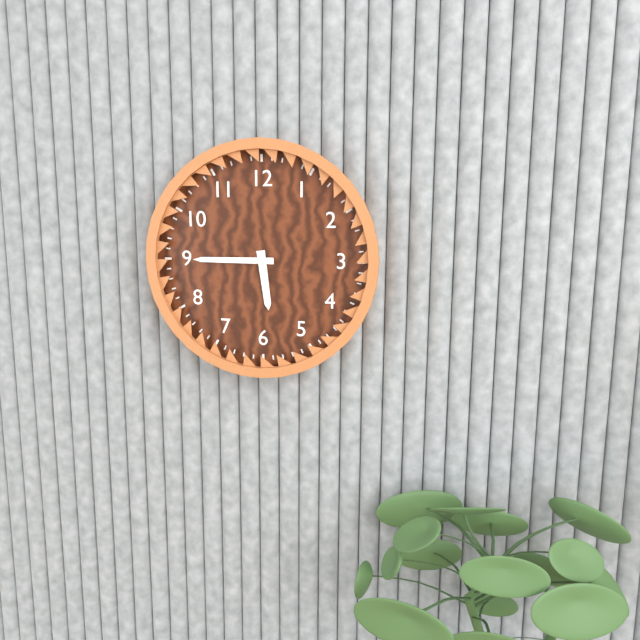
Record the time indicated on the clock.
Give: 5:45
